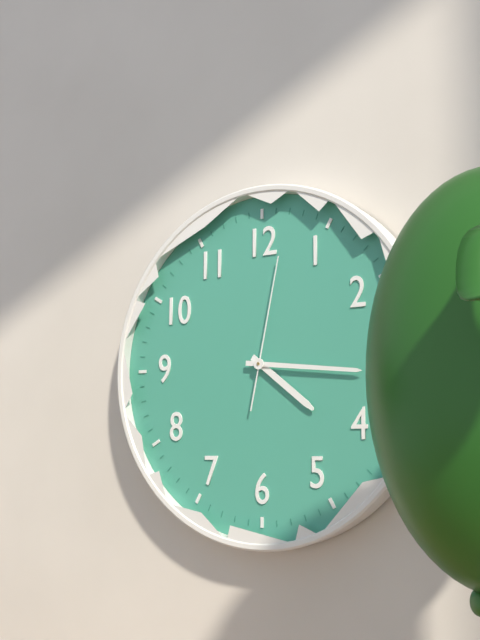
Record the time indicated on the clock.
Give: 4:16:02
